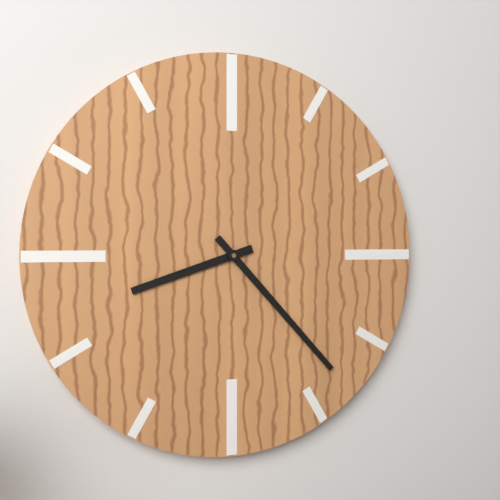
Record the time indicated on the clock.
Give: 8:23
